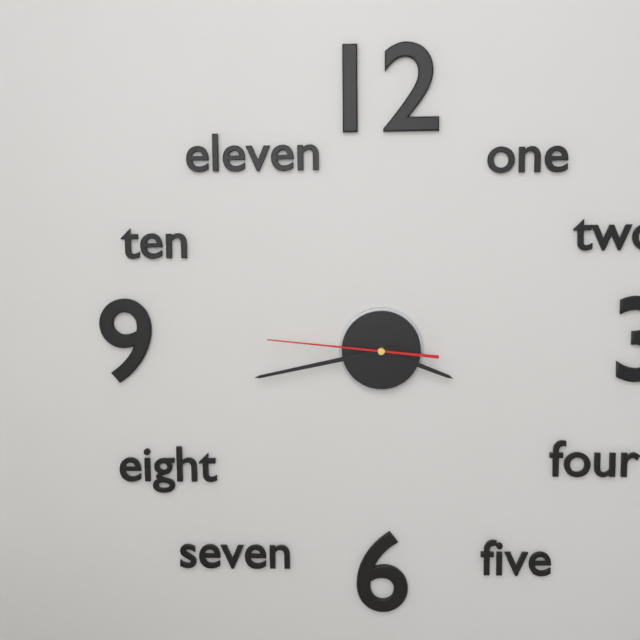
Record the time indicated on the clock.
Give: 3:43:46
